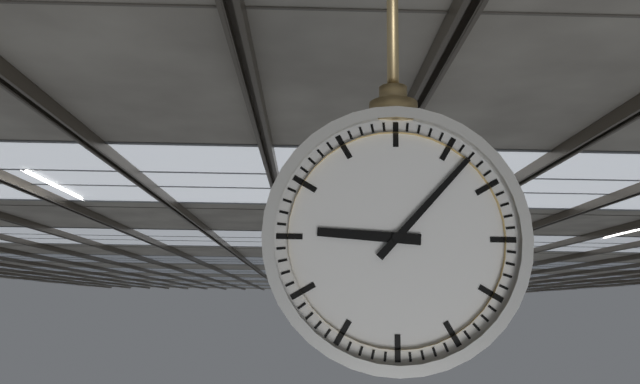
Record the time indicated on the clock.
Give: 9:07
